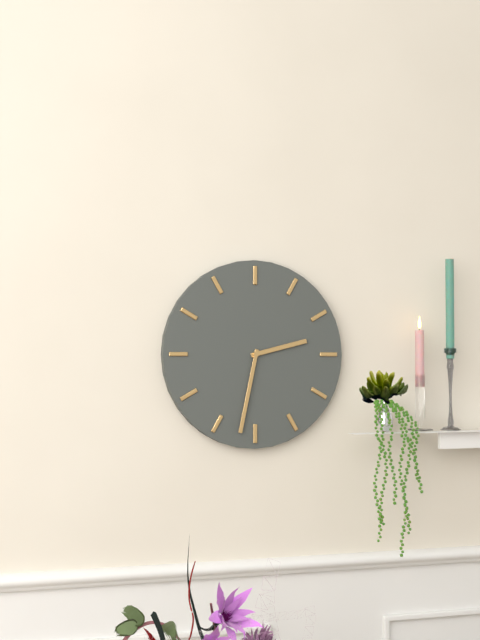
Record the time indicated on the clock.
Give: 2:32
